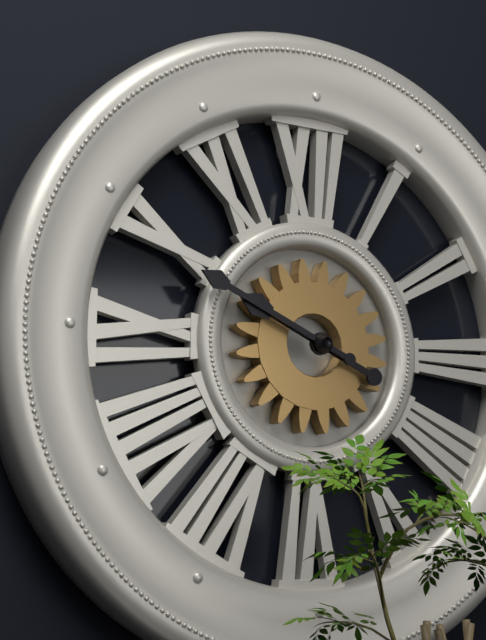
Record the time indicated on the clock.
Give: 9:49
